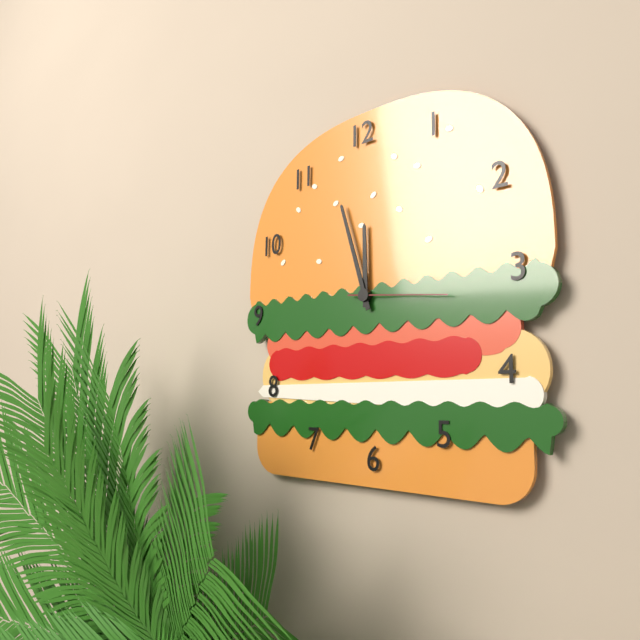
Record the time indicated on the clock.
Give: 11:57:16
